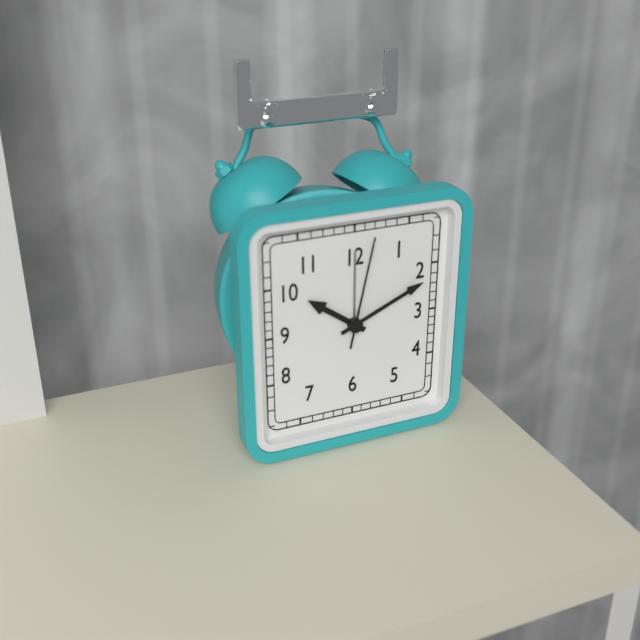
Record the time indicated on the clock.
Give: 10:11:02
